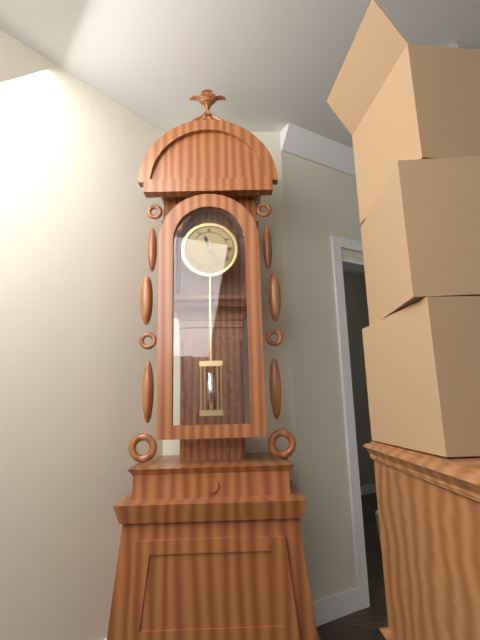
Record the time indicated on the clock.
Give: 11:25
